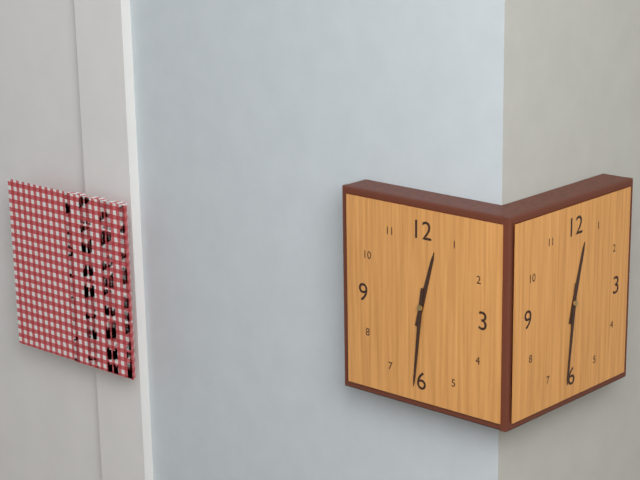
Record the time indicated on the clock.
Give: 12:31
